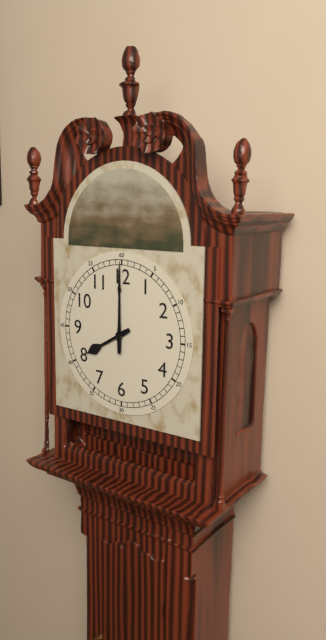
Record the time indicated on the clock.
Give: 8:00
